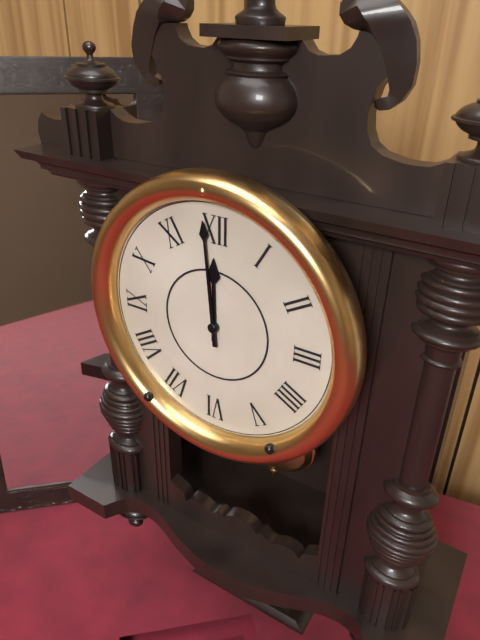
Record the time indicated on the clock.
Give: 11:59
